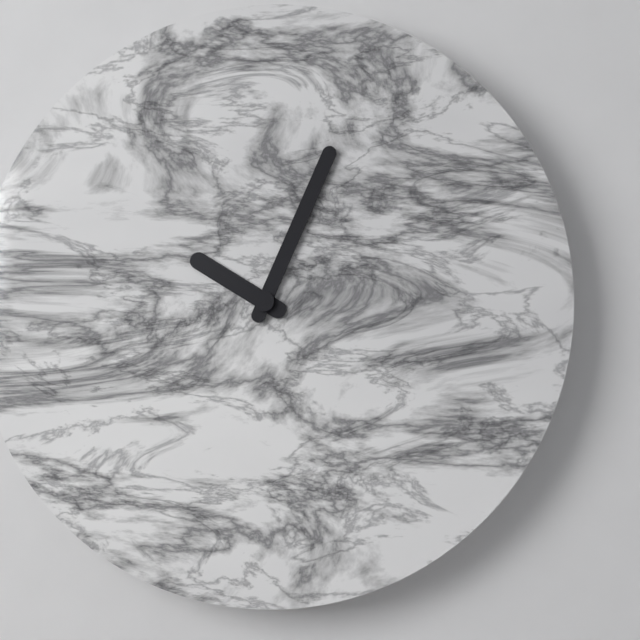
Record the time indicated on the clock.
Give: 10:04
